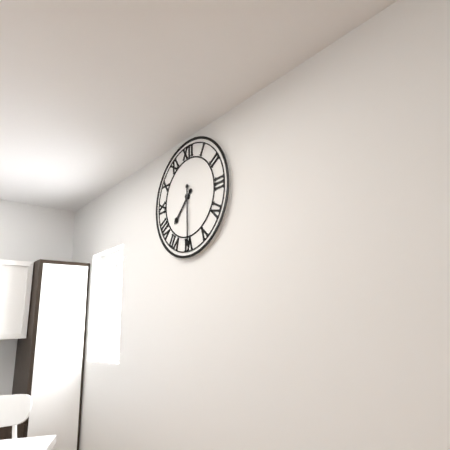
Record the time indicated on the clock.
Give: 7:30
